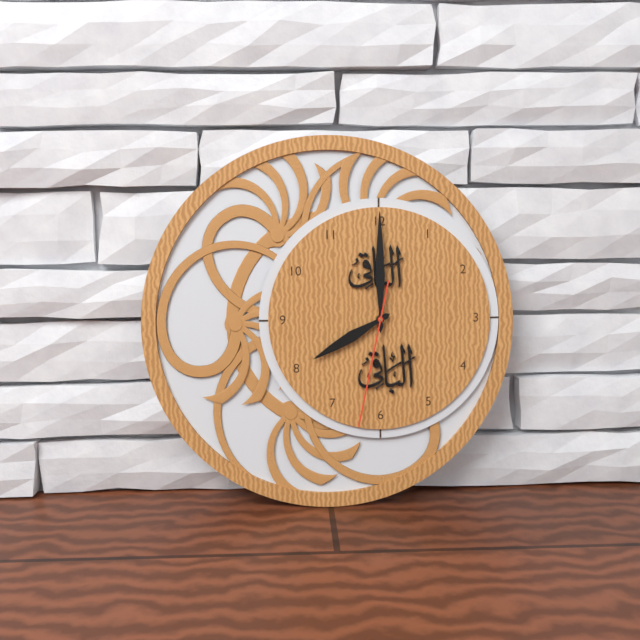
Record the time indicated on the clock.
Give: 8:00:32
